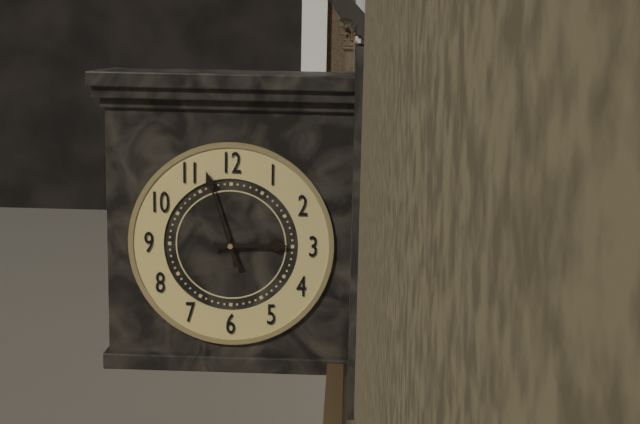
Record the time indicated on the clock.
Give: 2:57
